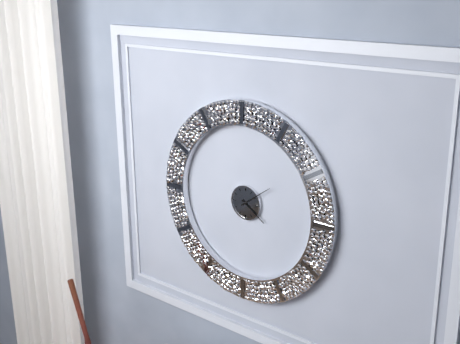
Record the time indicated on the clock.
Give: 4:09
